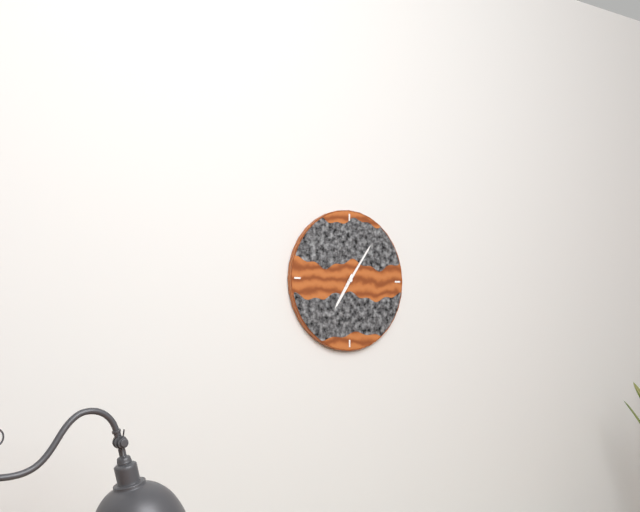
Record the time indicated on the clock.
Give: 7:06
